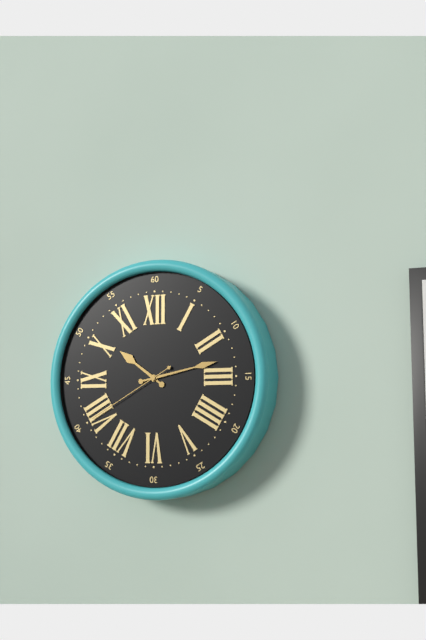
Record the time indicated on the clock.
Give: 10:13:40
